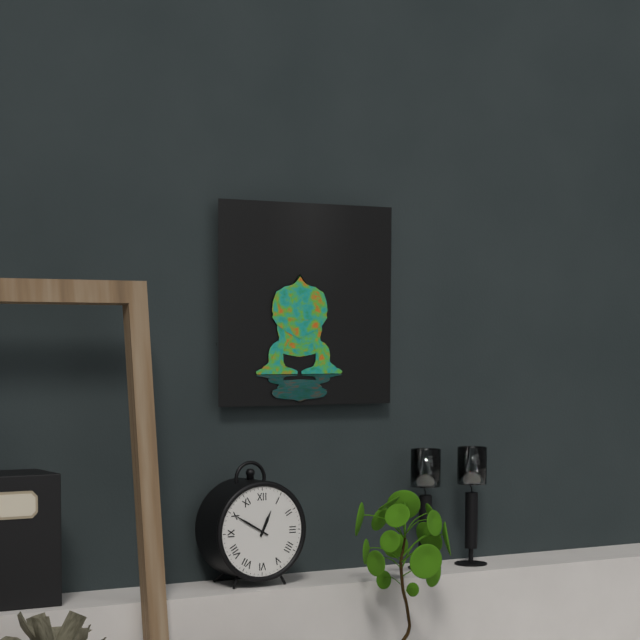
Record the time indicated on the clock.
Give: 12:50
